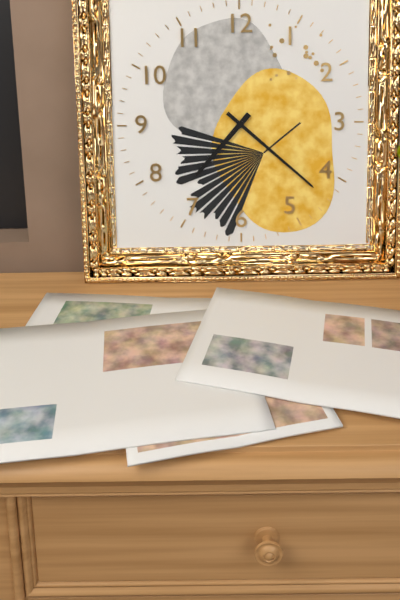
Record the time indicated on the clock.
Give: 7:22
